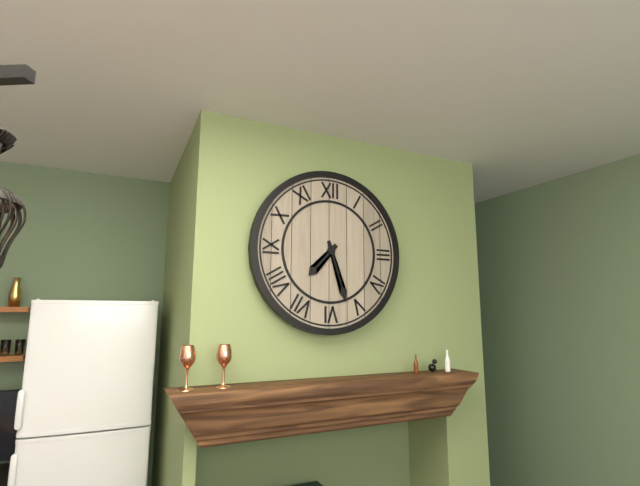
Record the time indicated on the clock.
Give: 7:27
